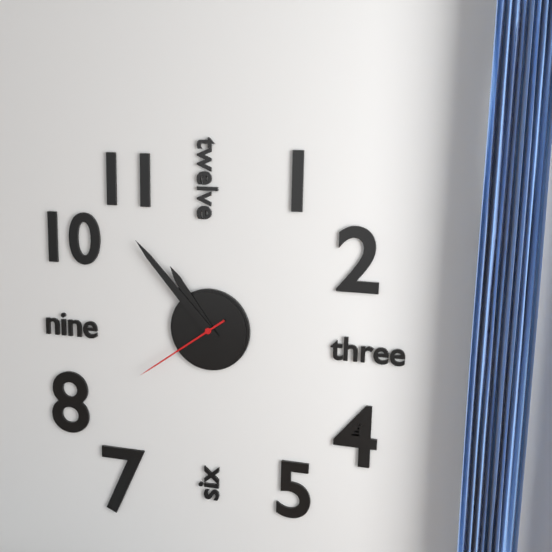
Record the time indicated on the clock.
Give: 10:53:39
